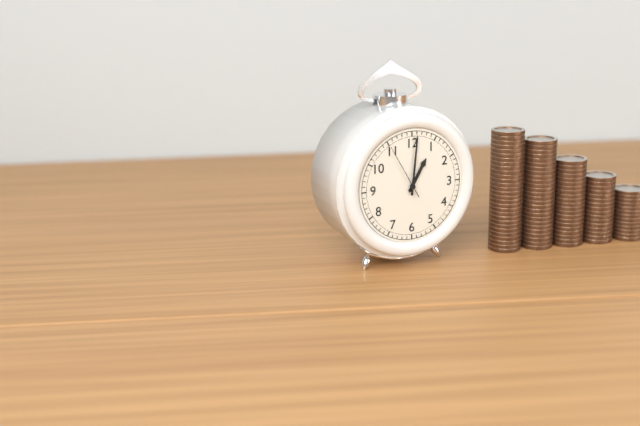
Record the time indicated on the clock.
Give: 1:01:55
